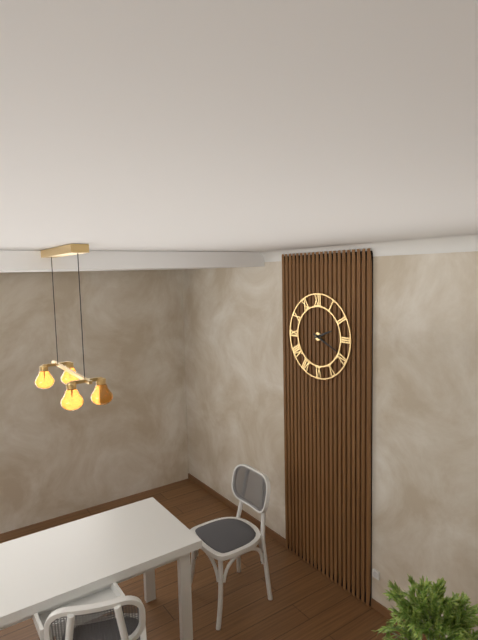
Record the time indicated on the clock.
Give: 2:19
